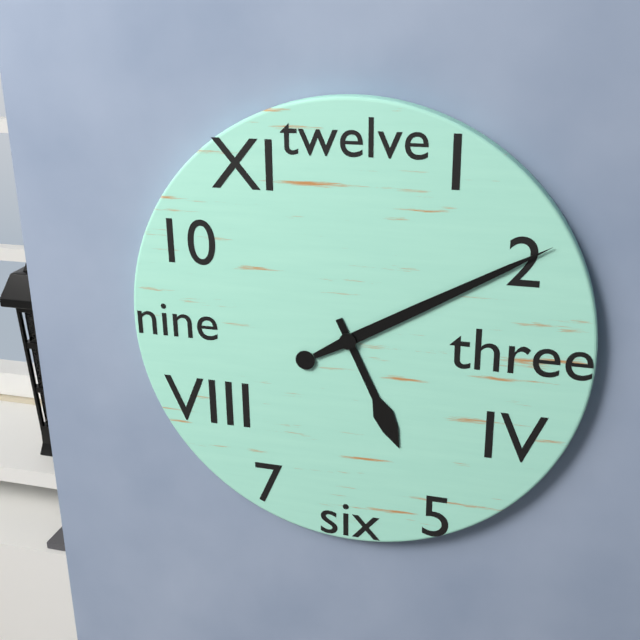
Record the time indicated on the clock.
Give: 5:10
